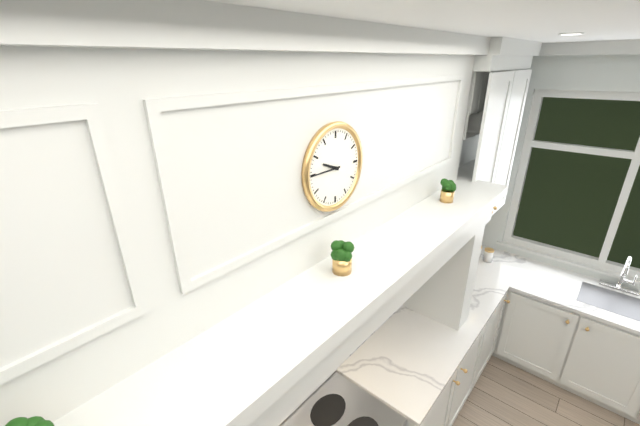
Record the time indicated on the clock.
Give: 9:45
